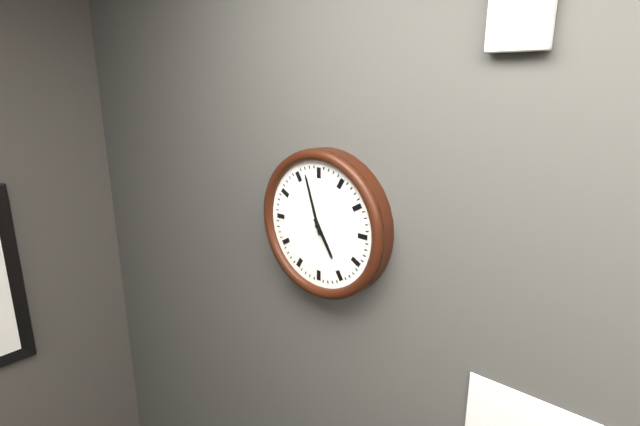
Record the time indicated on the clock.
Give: 4:57
